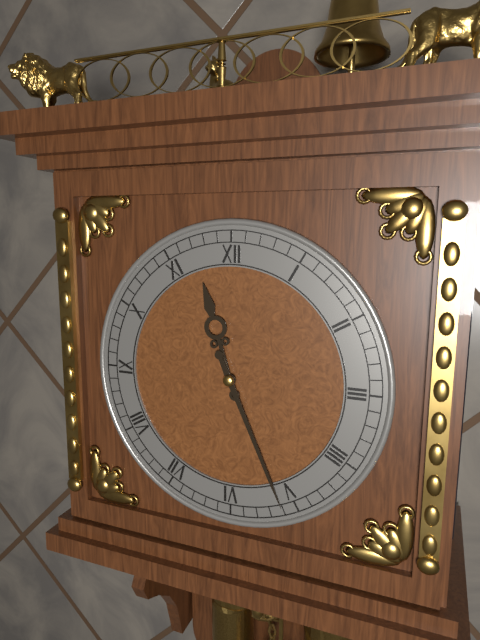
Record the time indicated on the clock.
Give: 11:26
